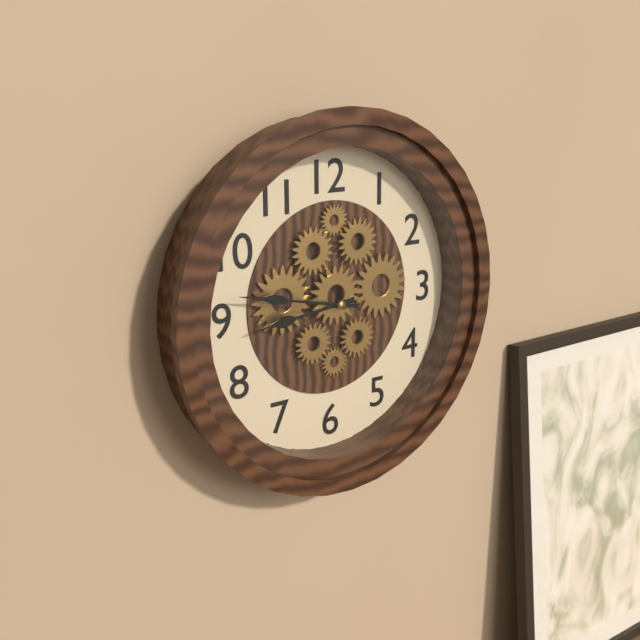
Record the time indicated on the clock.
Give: 8:47
